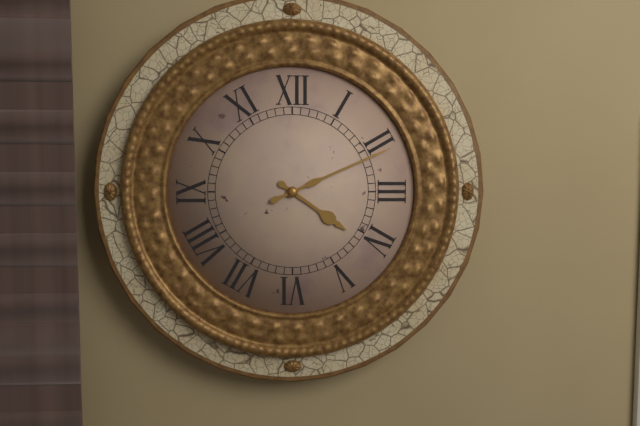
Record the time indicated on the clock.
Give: 4:11
